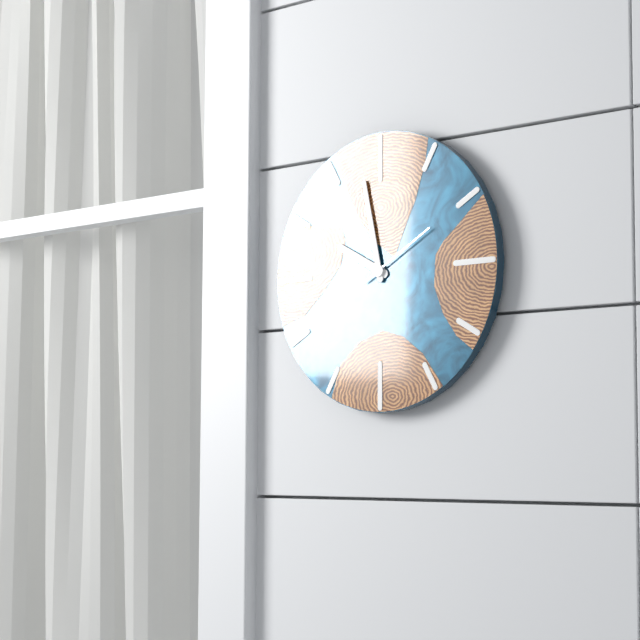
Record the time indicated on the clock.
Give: 9:58:10
